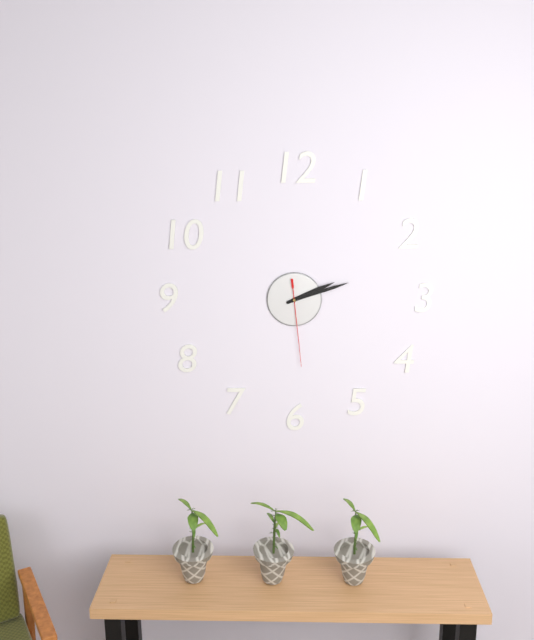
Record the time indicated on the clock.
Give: 2:12:29
